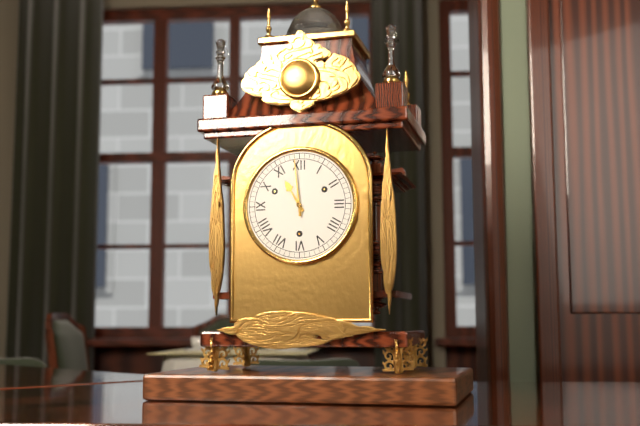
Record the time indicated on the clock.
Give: 10:59
